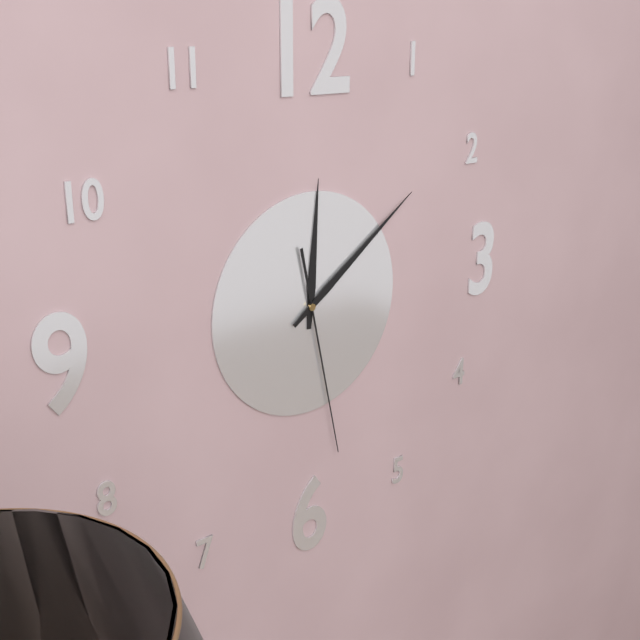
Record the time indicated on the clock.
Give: 12:09:28
